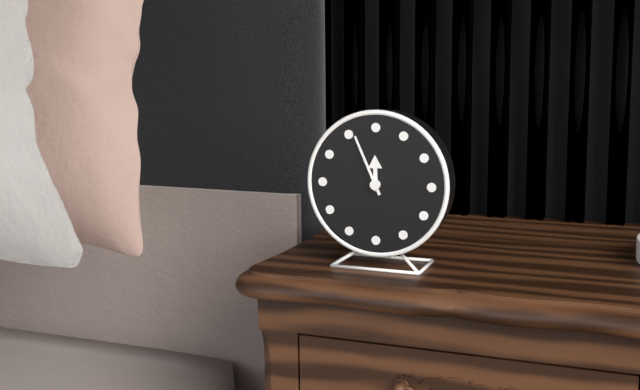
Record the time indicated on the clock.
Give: 11:56
